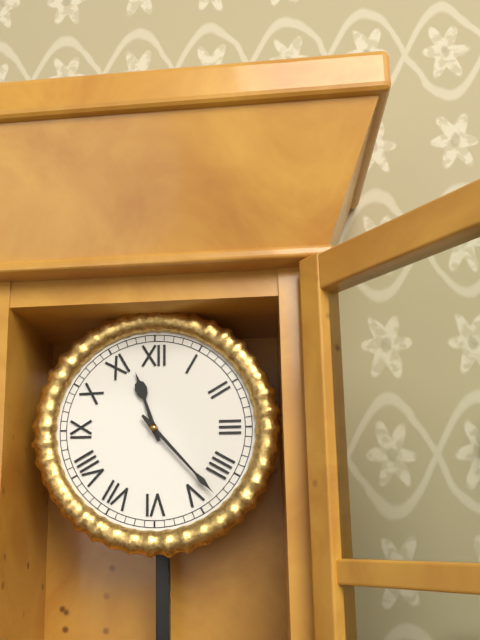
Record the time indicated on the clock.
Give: 11:23
